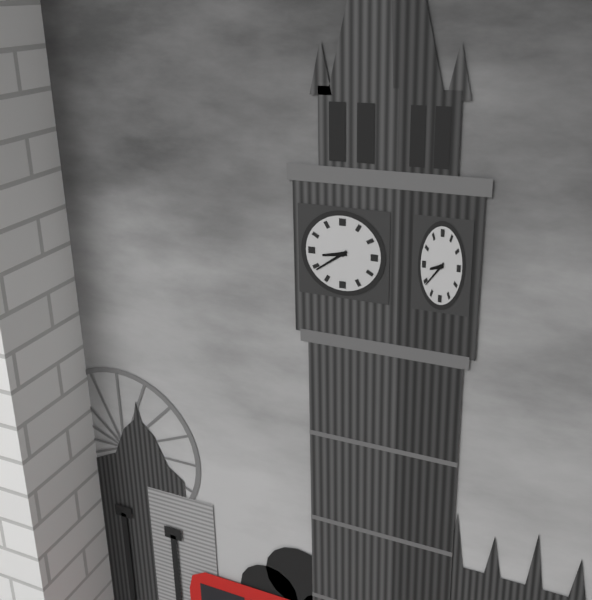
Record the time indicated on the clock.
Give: 8:39
